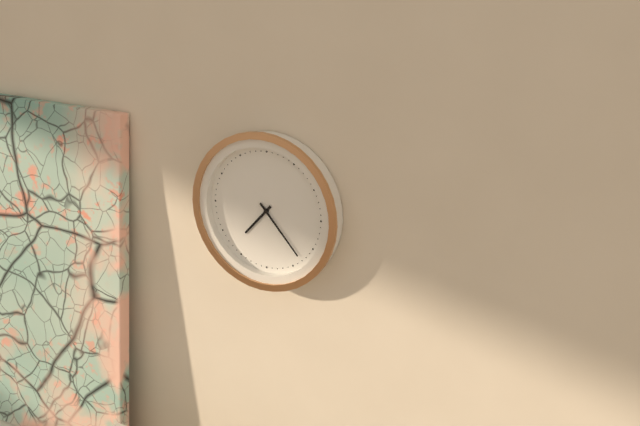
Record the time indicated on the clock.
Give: 7:23
